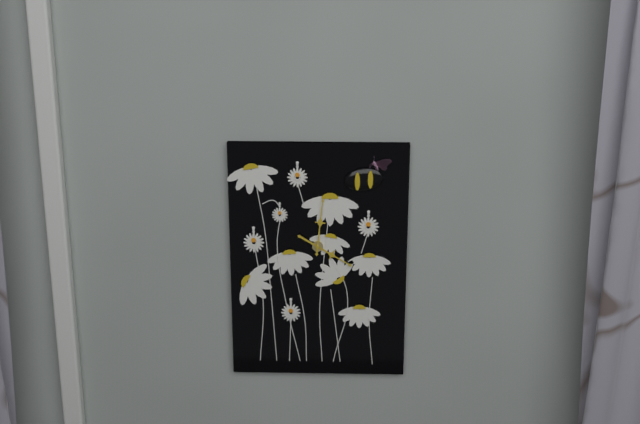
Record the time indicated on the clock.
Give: 4:01
